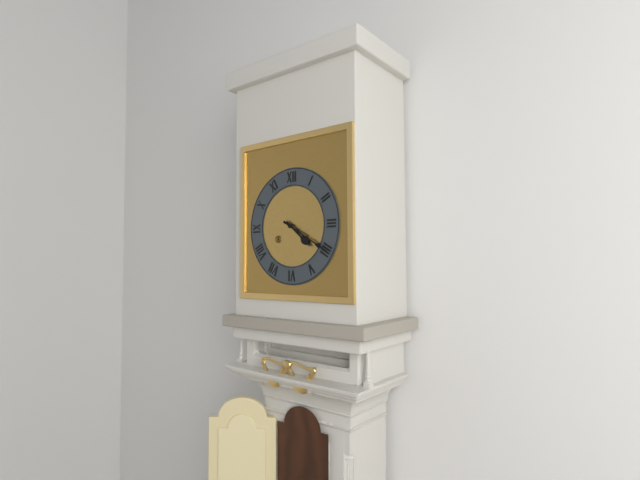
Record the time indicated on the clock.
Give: 4:20
